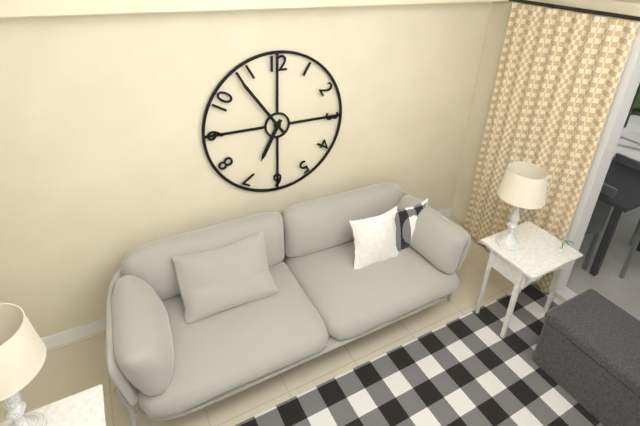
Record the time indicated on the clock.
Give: 6:54
